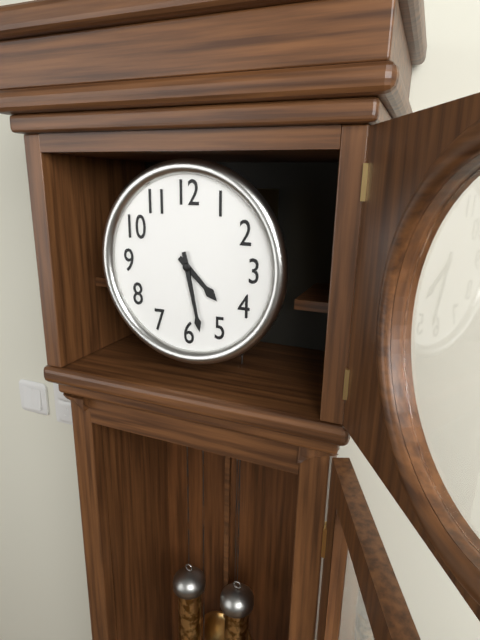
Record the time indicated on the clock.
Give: 4:28
